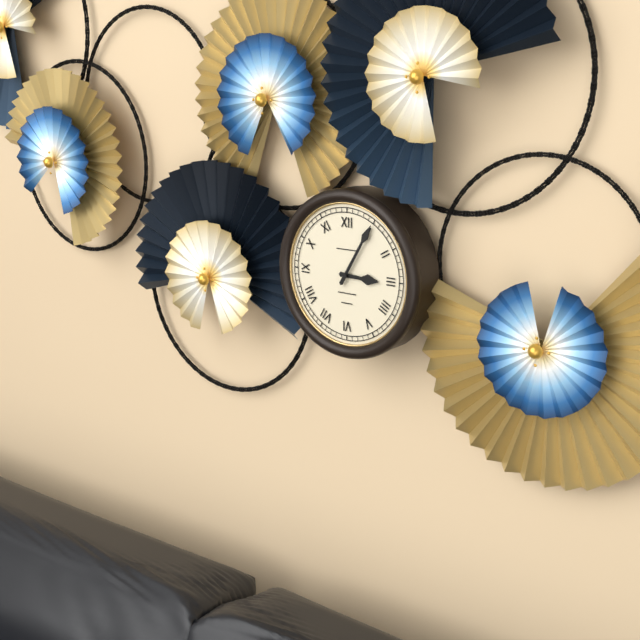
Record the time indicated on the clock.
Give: 3:05
